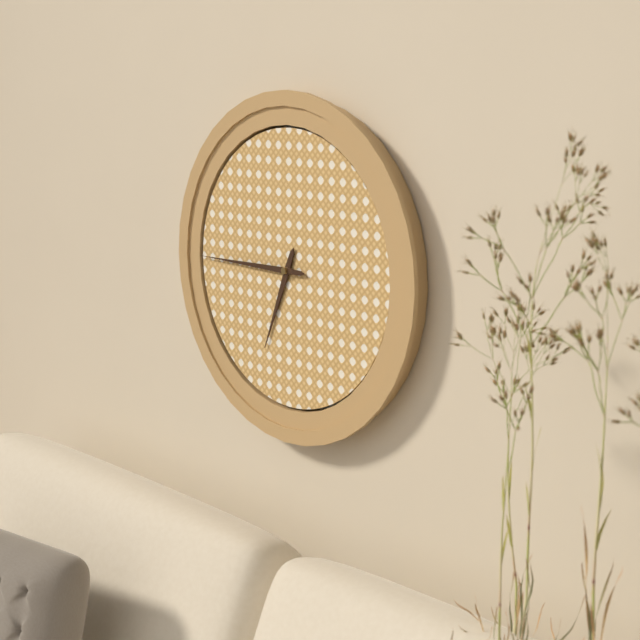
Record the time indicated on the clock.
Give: 6:45
